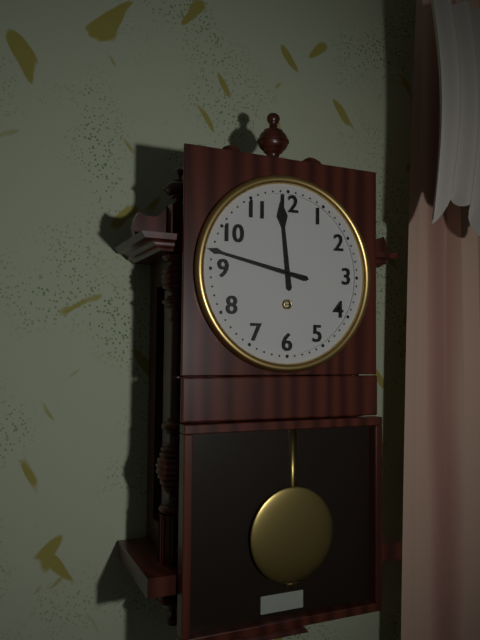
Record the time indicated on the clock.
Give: 11:47
